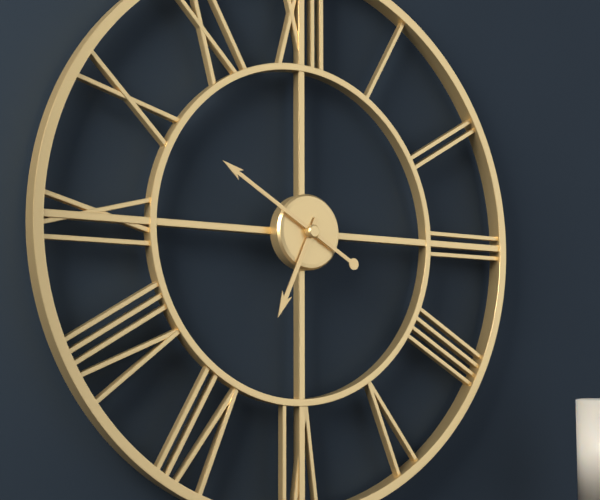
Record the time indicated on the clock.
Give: 6:50
